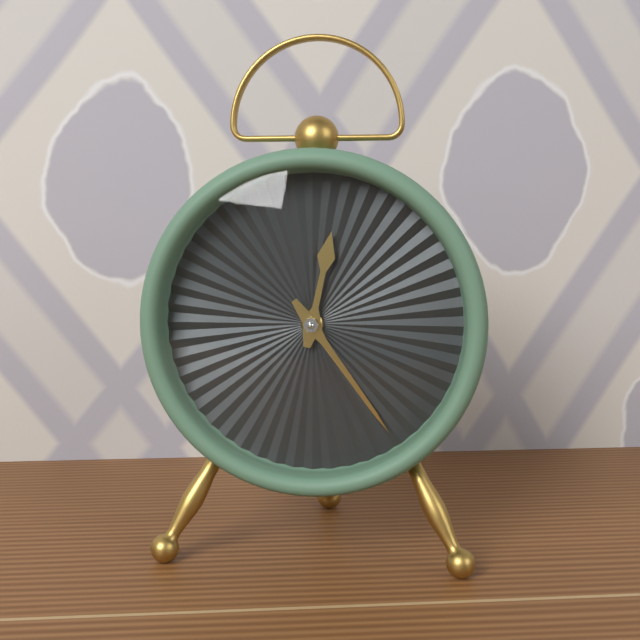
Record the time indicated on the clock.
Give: 12:24
